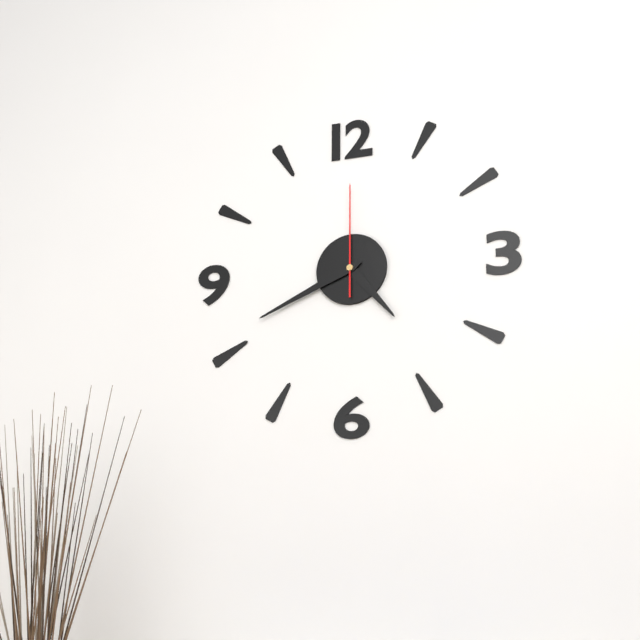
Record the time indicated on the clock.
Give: 4:41:00
